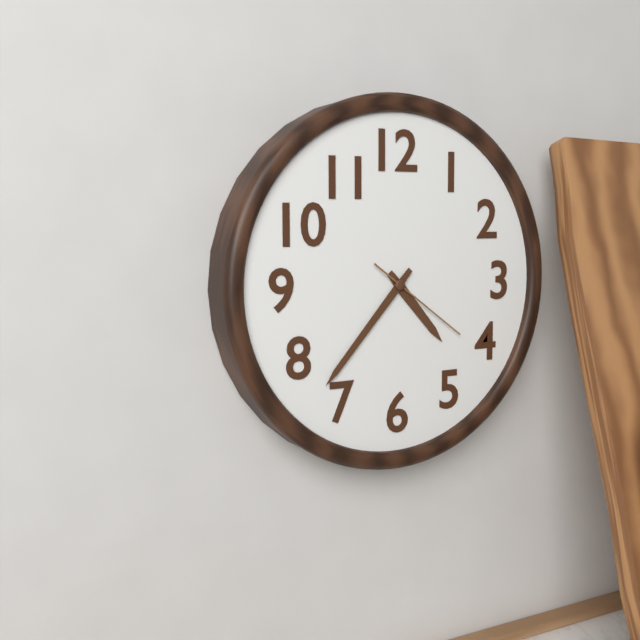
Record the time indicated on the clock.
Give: 4:37:21
